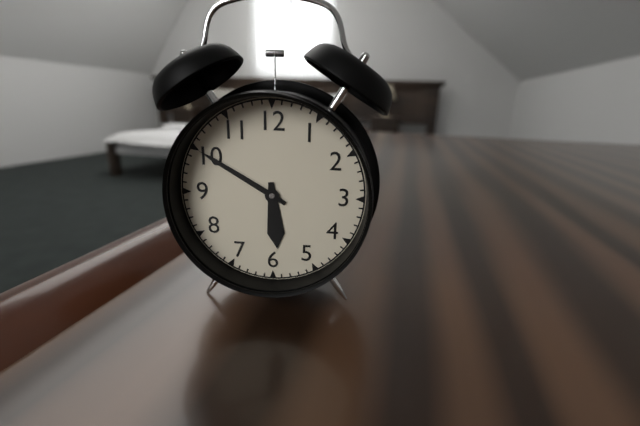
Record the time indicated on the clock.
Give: 5:50
